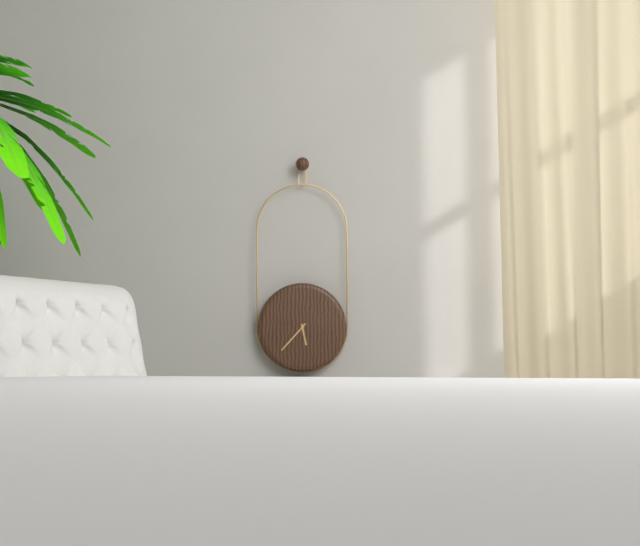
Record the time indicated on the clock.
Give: 5:37
